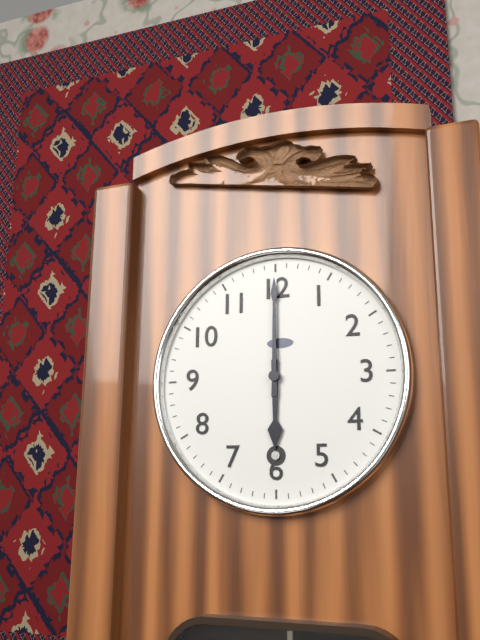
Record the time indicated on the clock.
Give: 6:00
